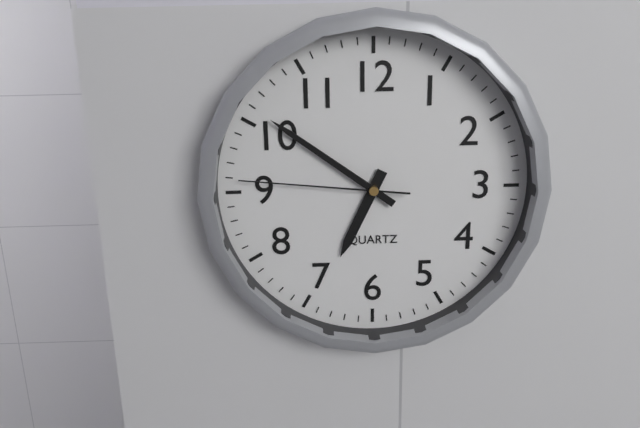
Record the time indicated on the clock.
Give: 6:51:46
